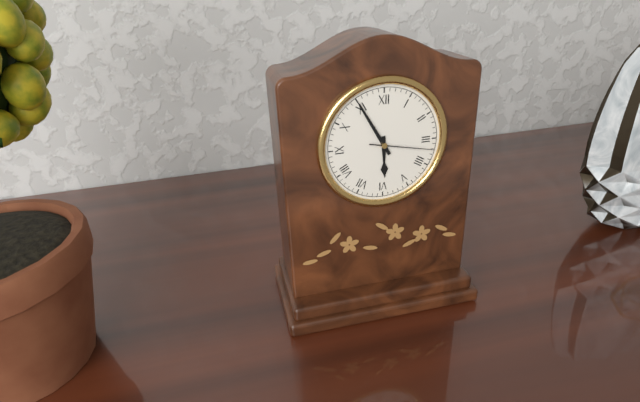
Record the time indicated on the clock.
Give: 5:55:17
